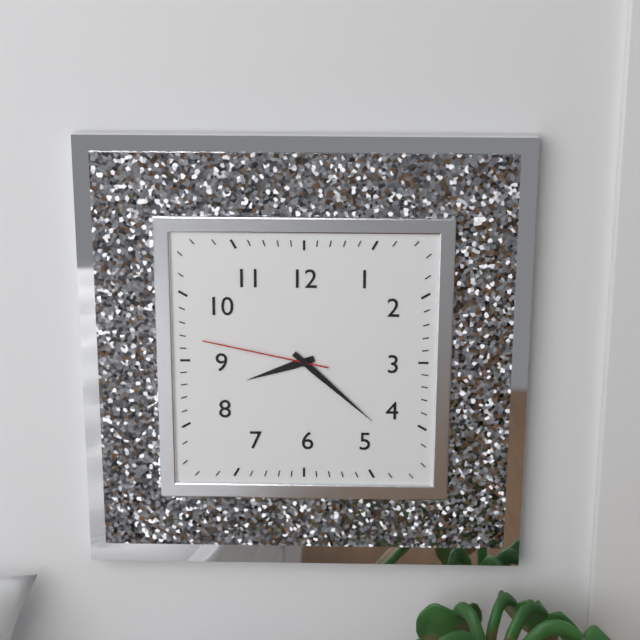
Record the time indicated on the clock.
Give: 8:22:47
